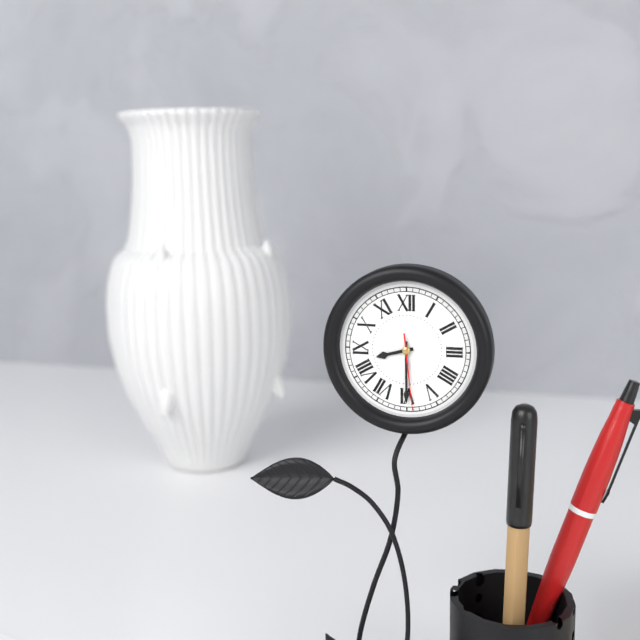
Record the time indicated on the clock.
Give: 8:30:29
